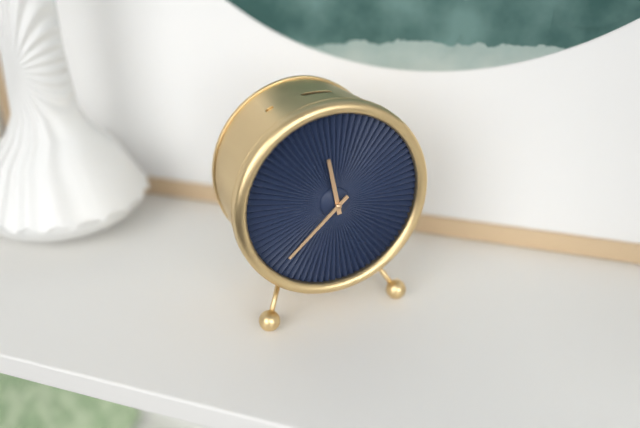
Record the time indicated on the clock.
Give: 11:38
